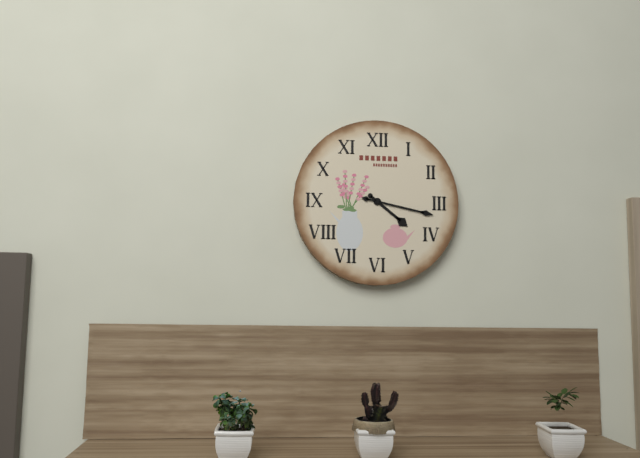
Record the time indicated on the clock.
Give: 4:17
